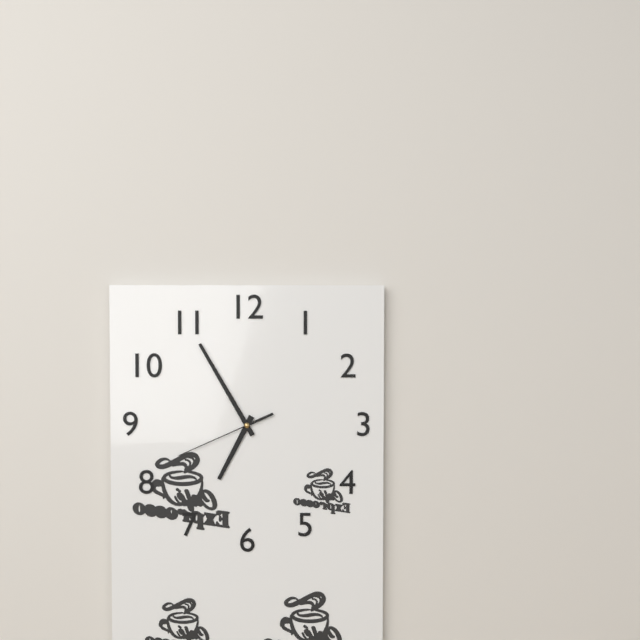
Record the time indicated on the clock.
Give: 6:55:41
